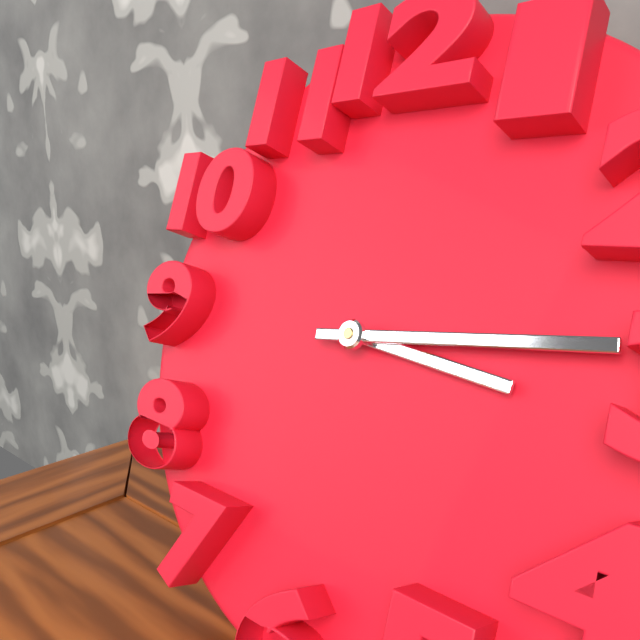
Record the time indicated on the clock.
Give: 3:14
